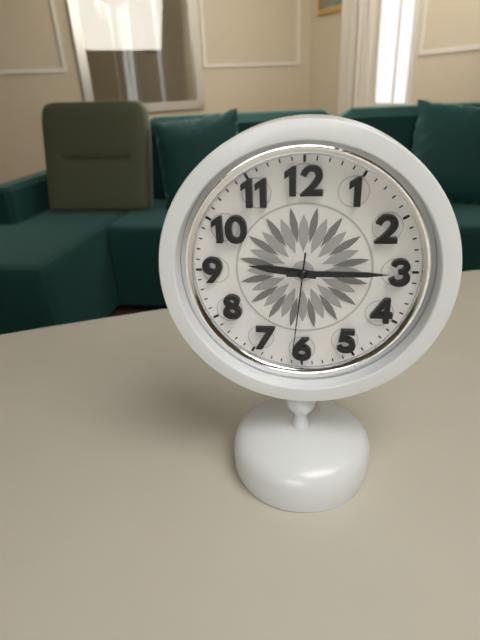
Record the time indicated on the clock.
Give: 9:15:31
